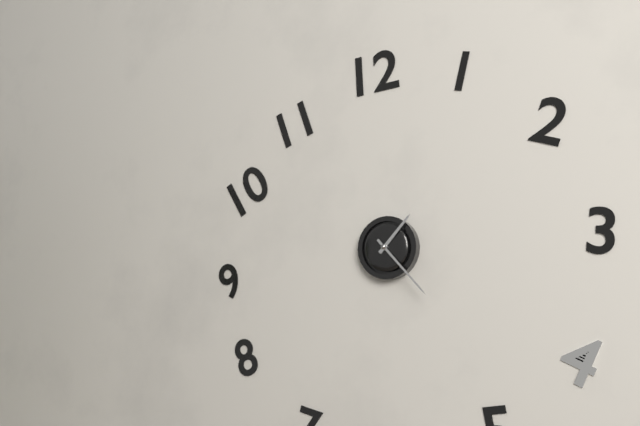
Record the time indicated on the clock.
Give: 1:23
